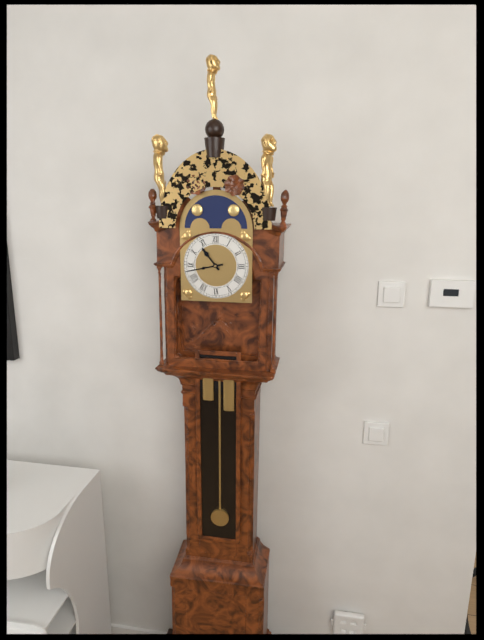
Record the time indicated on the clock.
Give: 10:43
